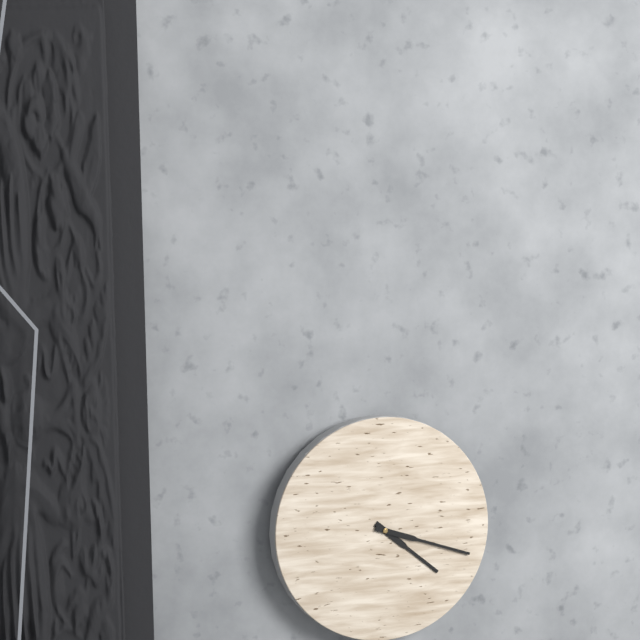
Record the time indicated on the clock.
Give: 4:18
